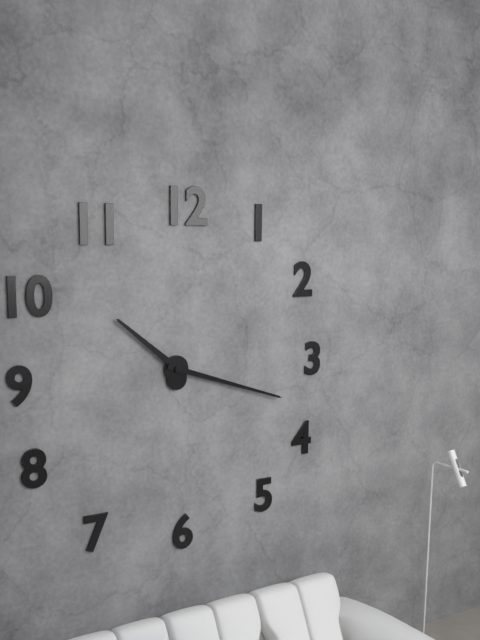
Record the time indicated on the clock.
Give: 10:18
